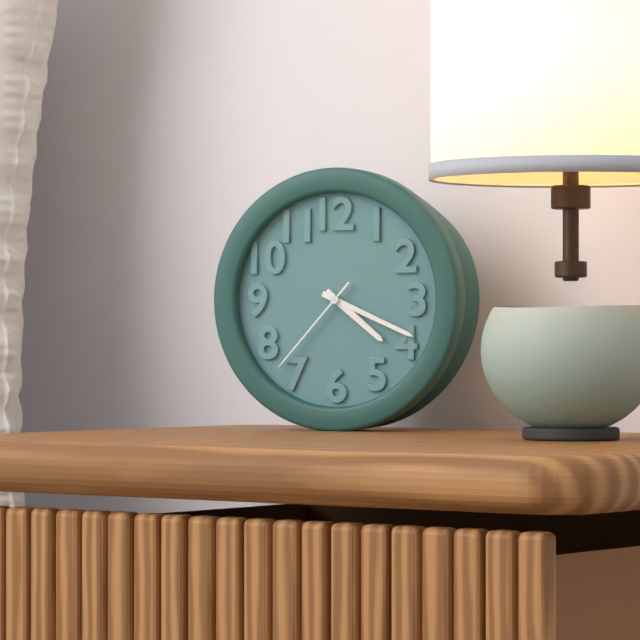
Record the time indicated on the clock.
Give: 4:19:37
